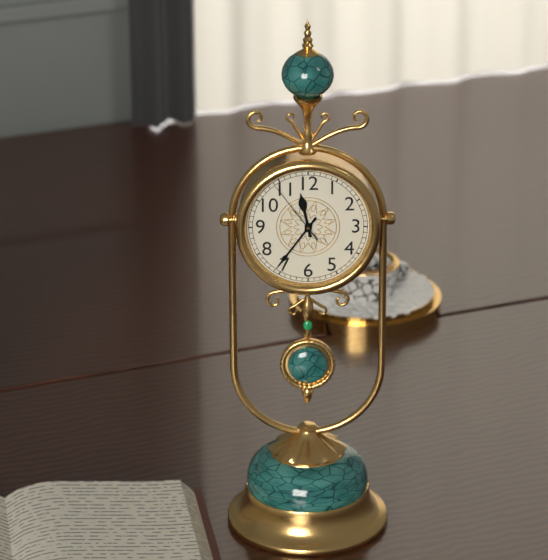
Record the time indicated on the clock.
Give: 11:36:54
